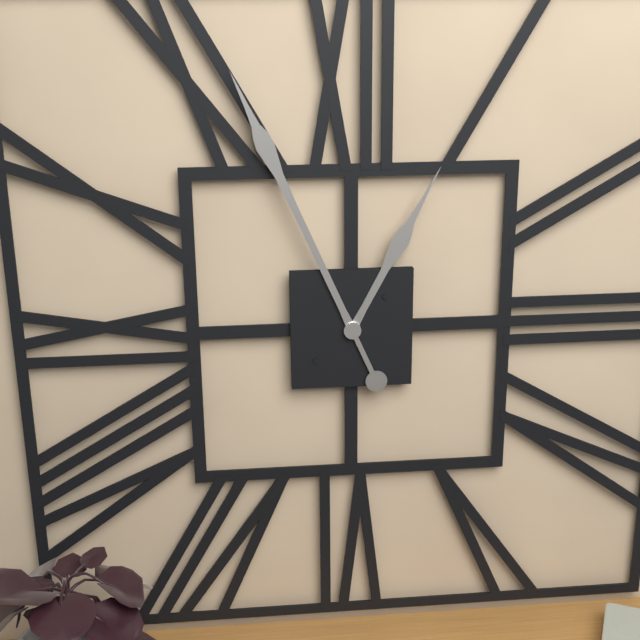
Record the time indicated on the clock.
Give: 12:56
